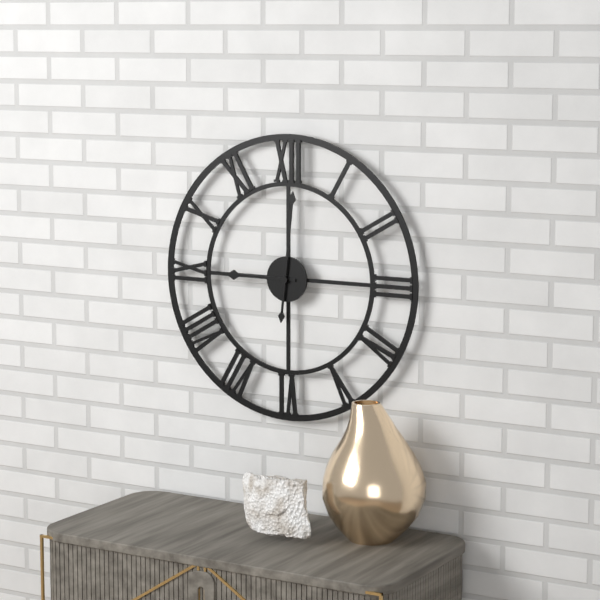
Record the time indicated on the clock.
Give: 9:01
